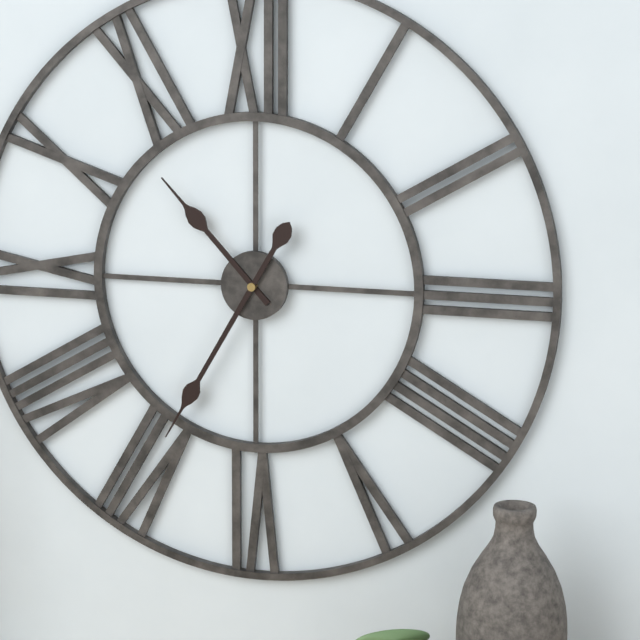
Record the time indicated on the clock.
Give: 10:35
